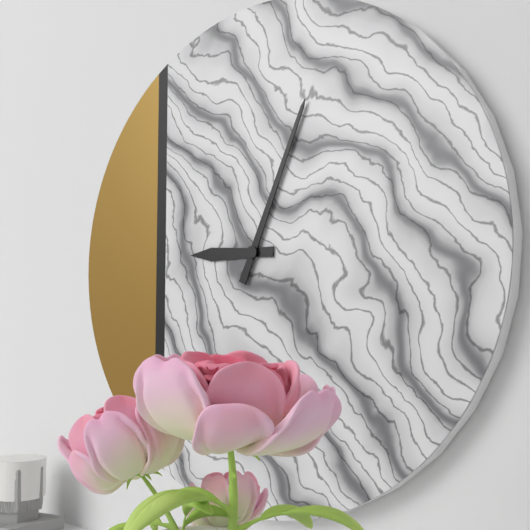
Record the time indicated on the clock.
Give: 9:04
